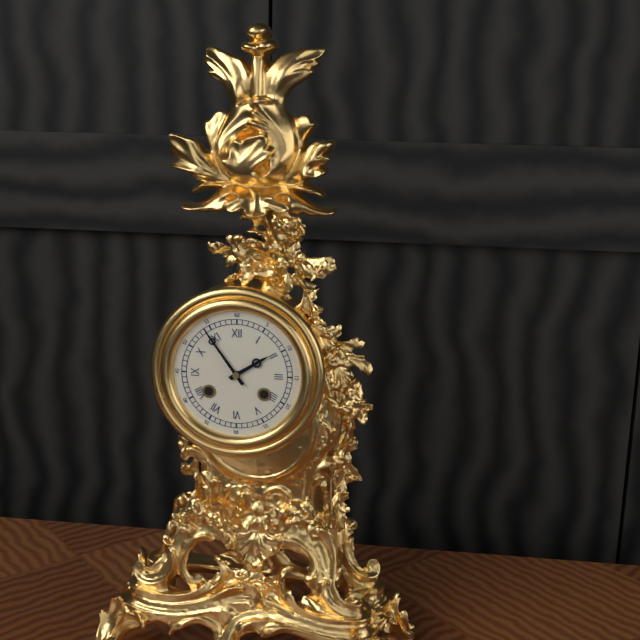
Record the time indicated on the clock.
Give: 1:54
